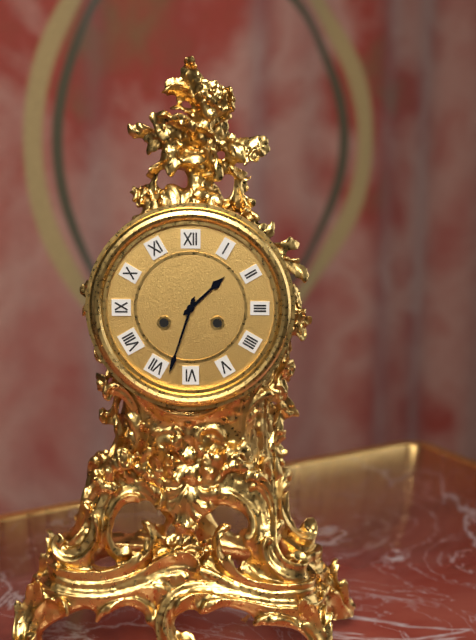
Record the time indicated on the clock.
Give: 1:33
